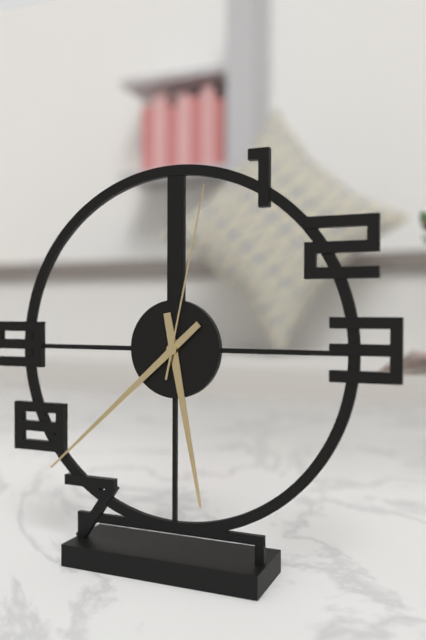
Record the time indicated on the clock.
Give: 5:38:02
